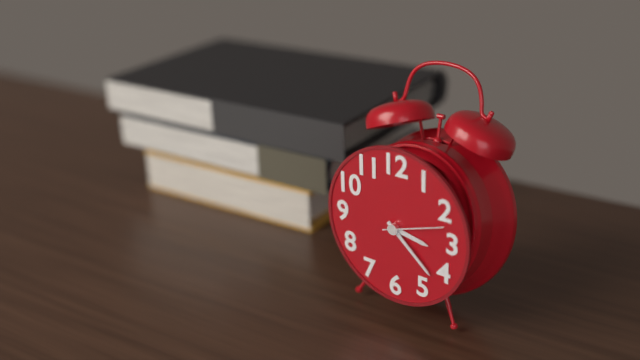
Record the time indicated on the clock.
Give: 3:22:12
